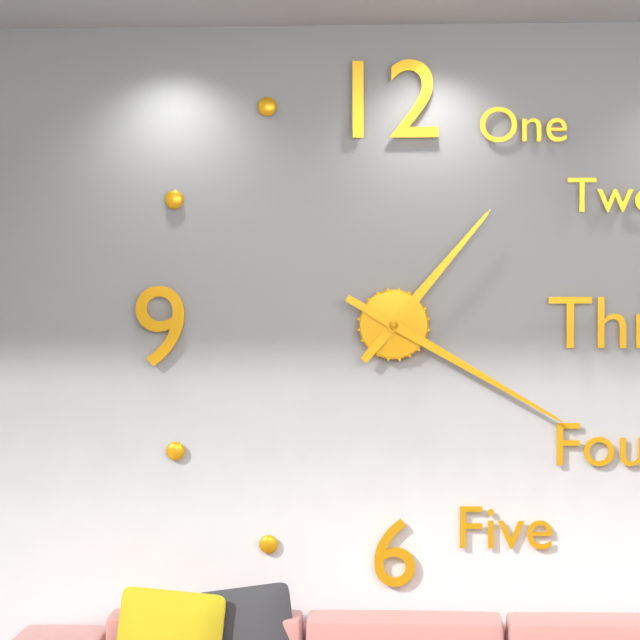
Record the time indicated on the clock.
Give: 1:20
